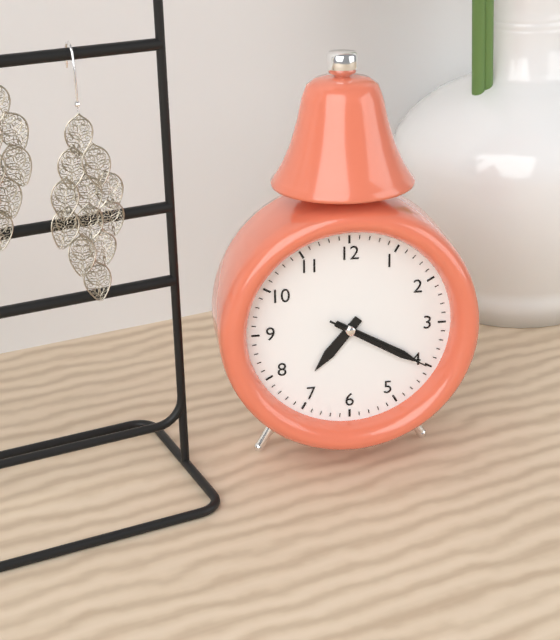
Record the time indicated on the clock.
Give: 7:20:20
